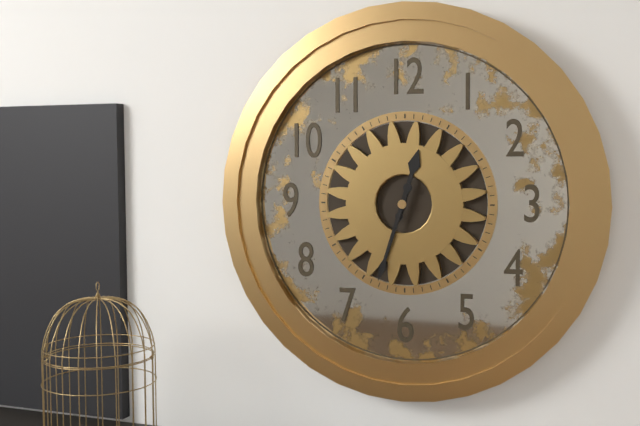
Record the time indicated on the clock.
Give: 12:33
